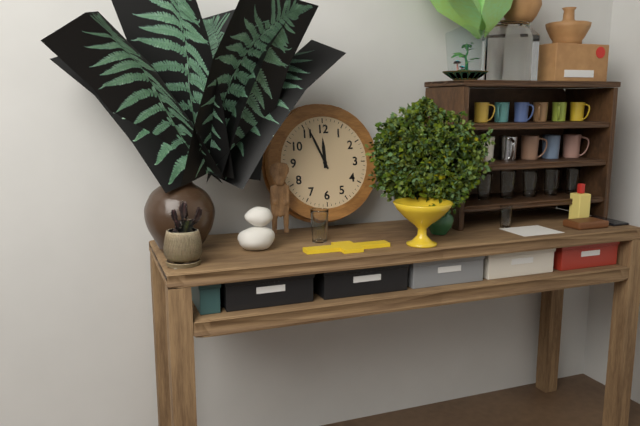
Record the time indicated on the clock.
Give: 11:56
